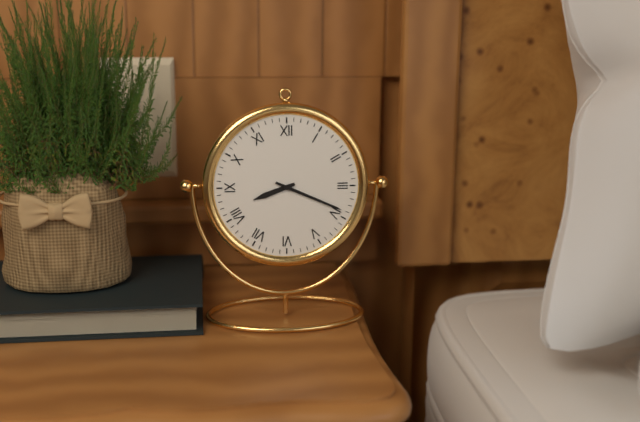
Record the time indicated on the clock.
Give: 8:19
